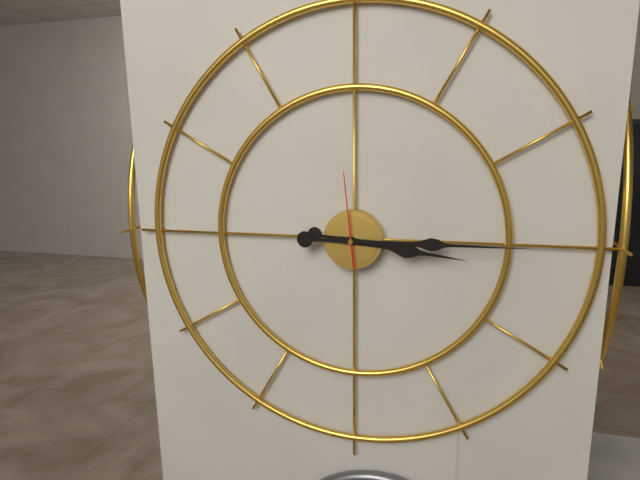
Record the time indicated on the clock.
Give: 3:15:59
